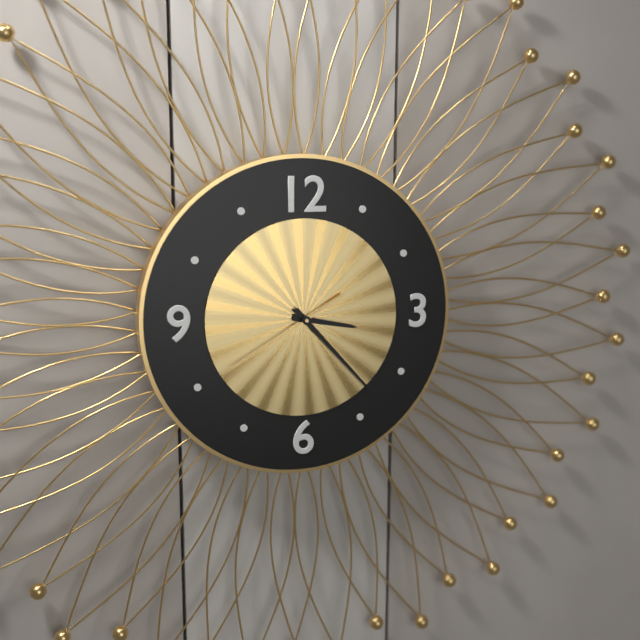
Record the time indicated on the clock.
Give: 3:23:40
